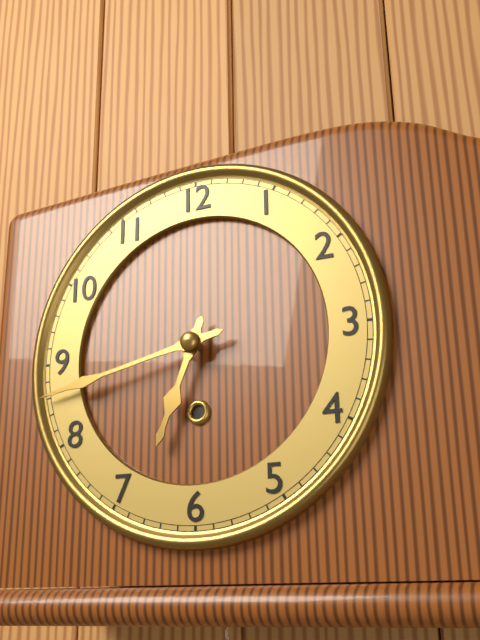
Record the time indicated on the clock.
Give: 6:43
